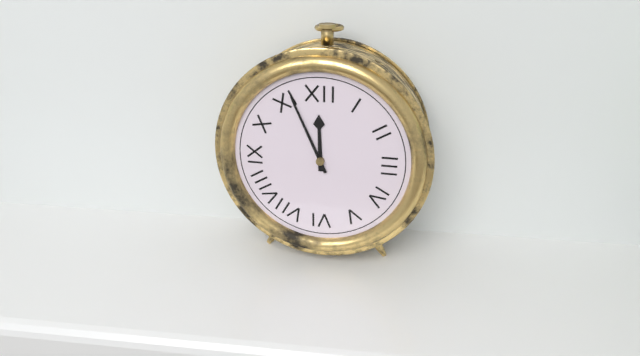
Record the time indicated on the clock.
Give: 11:56
